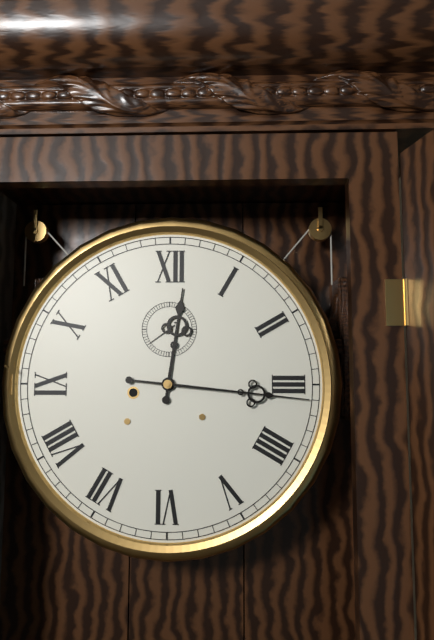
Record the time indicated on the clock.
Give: 12:16
